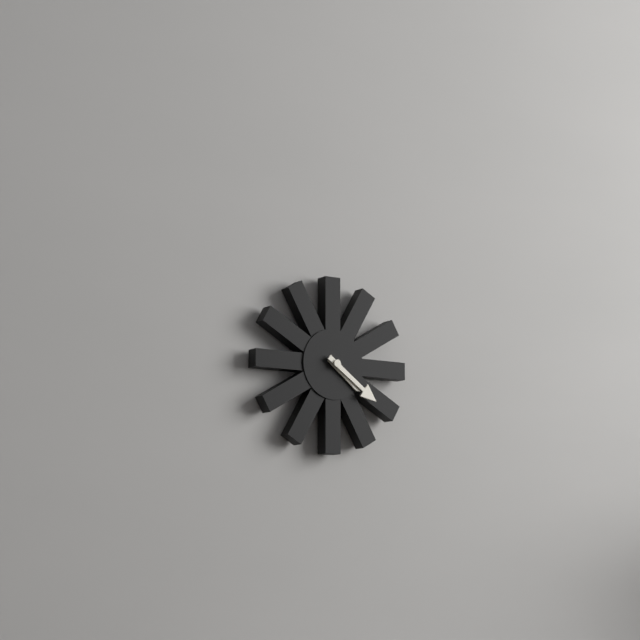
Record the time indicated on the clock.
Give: 4:21
